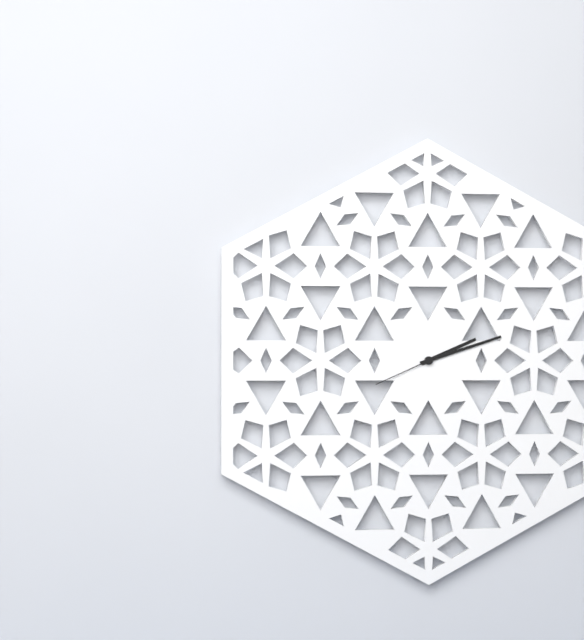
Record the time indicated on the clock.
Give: 2:12:41
